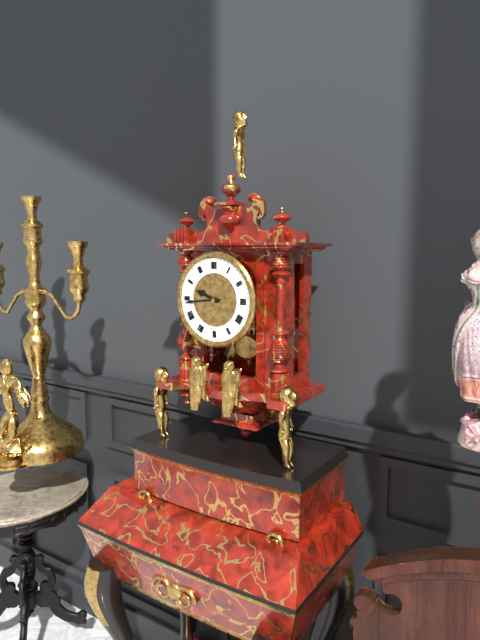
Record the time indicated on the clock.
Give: 9:44
